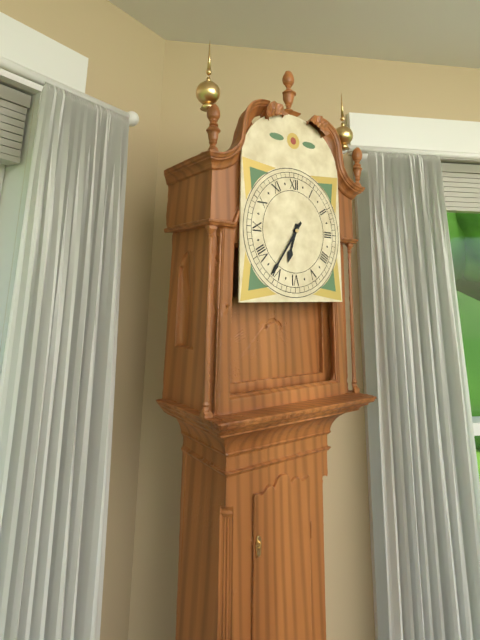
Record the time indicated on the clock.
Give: 6:36
